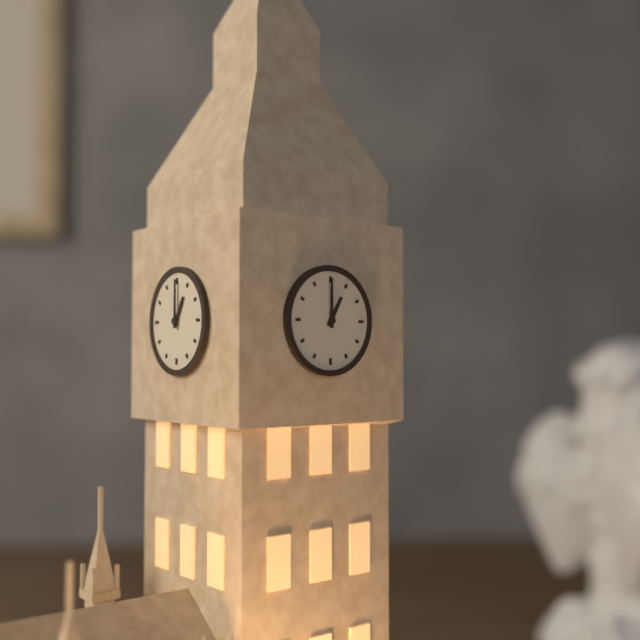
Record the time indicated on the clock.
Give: 1:00
